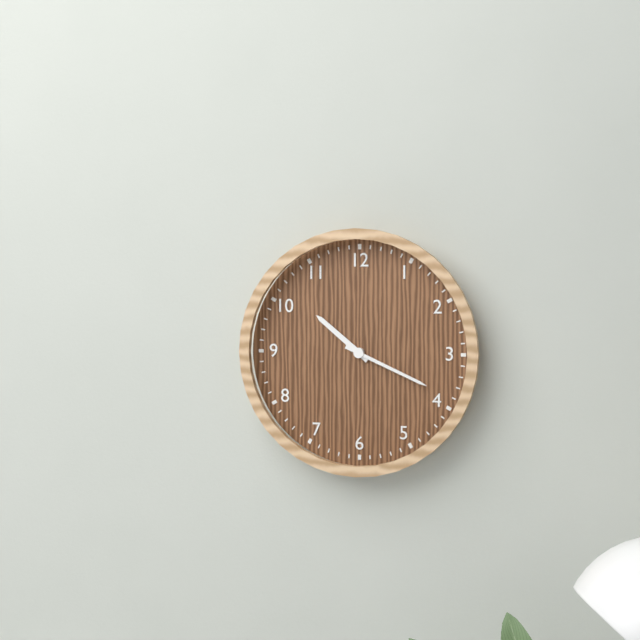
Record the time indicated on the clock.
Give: 10:19
